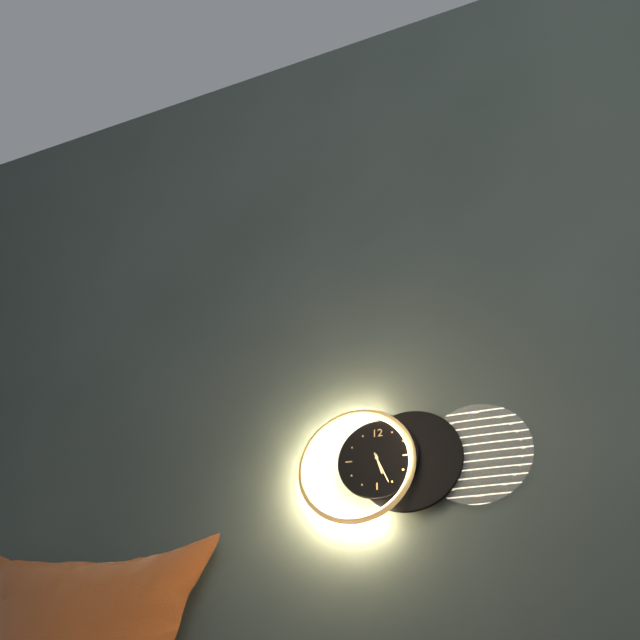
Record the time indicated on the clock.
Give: 5:26
